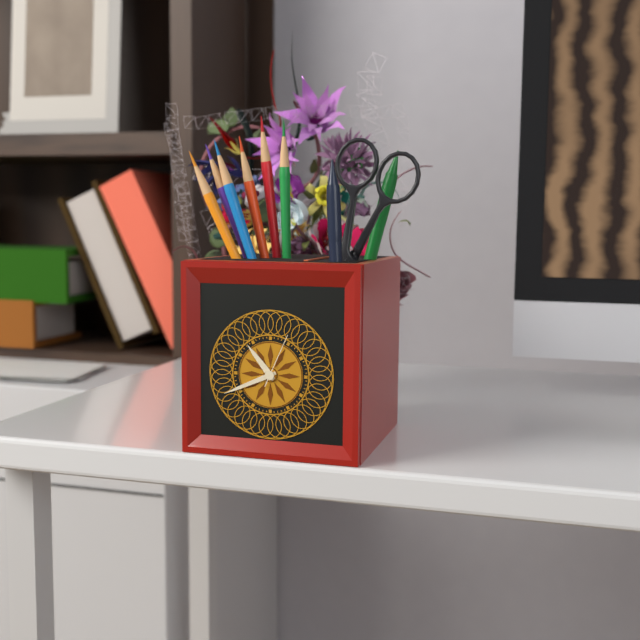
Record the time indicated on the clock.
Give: 10:41:04
